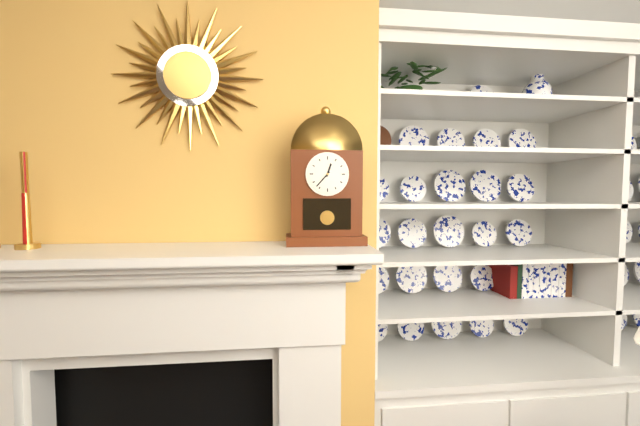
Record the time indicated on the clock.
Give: 12:37
